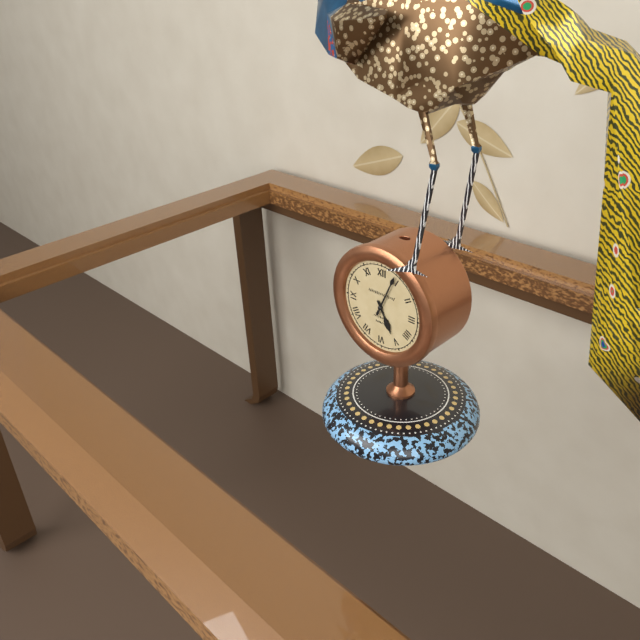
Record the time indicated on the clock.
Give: 5:04
